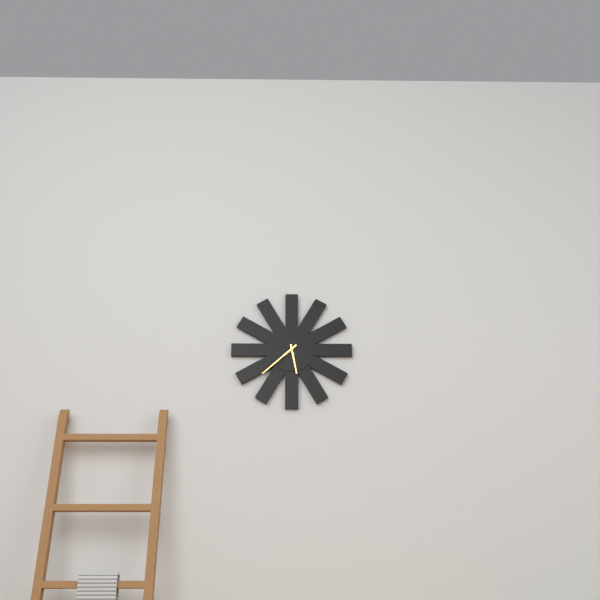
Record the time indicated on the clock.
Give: 5:38
